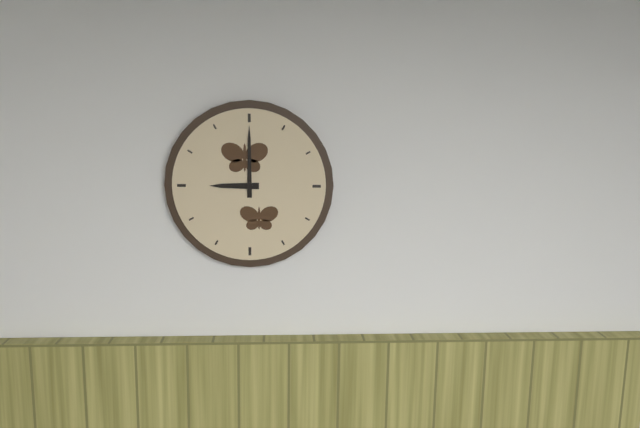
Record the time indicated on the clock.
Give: 9:00
